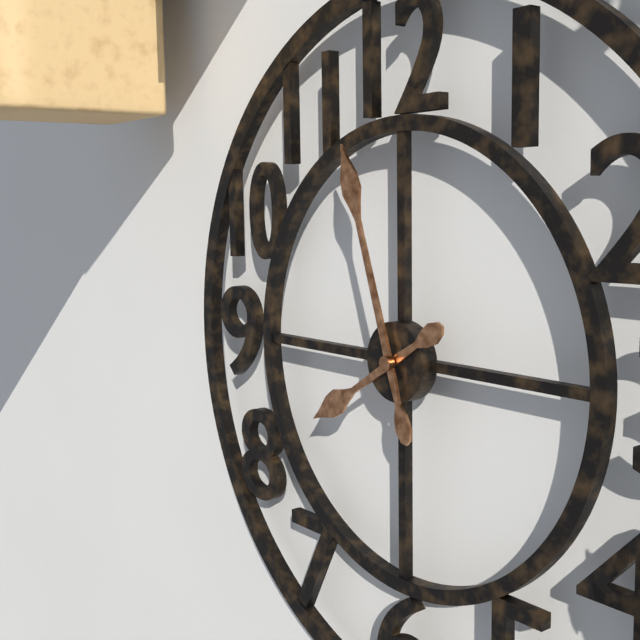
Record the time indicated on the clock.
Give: 7:57
